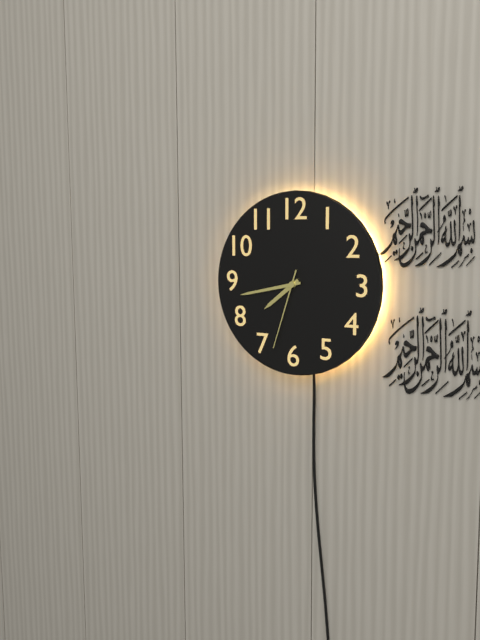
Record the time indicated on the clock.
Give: 7:43:33
